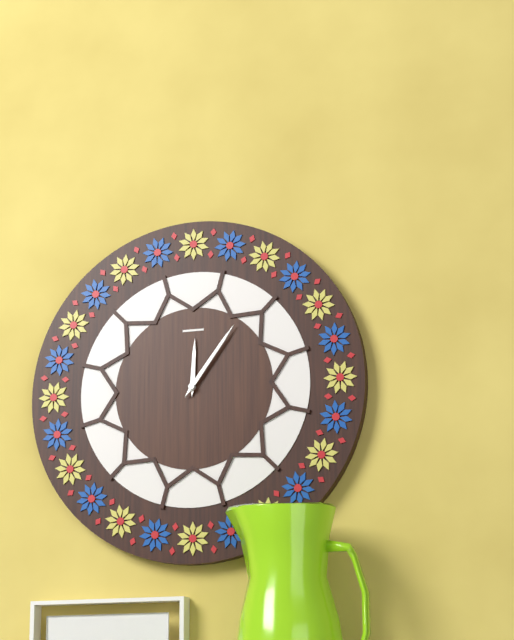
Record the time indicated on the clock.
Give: 12:06
